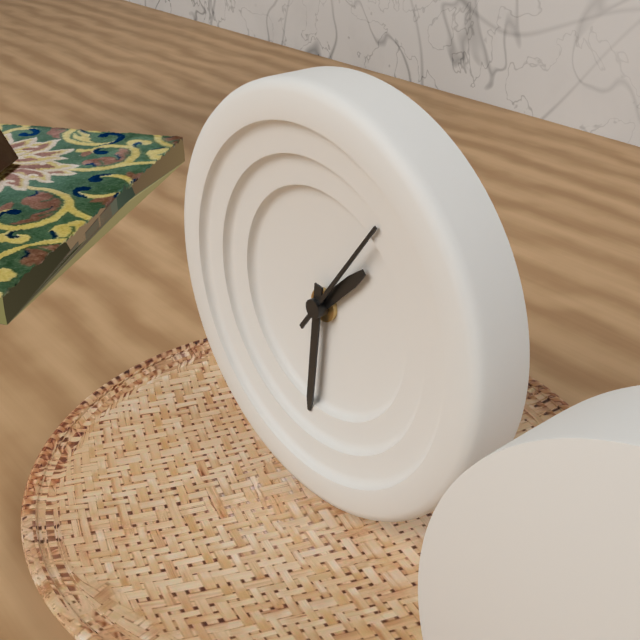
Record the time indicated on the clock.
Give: 1:31:06
